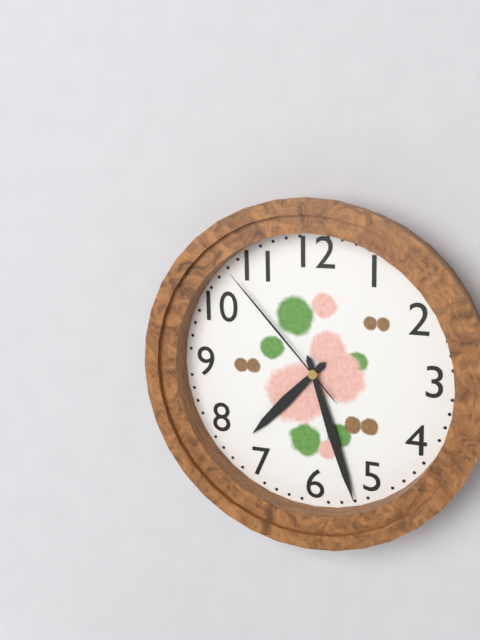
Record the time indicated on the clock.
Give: 7:27:53
